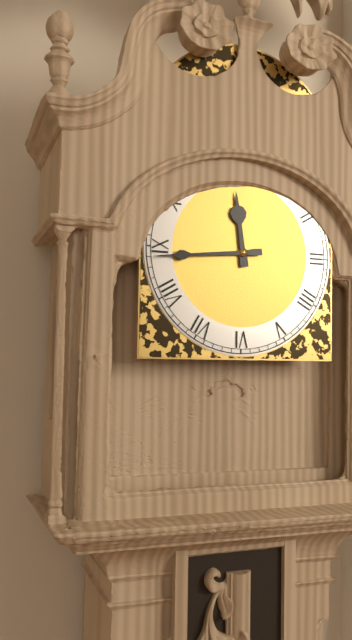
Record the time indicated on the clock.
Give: 11:44
